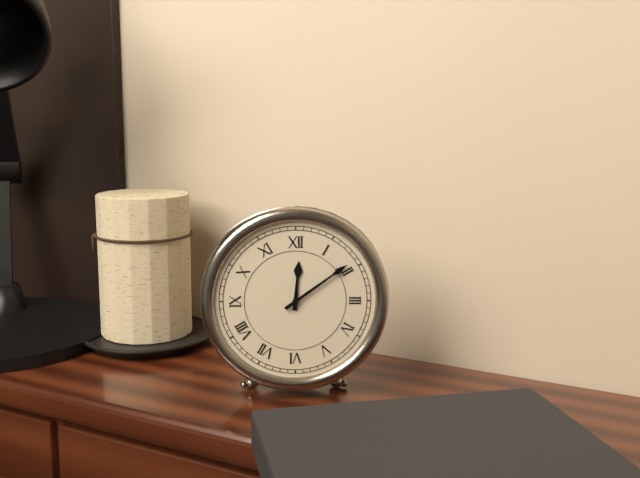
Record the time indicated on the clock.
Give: 12:09
